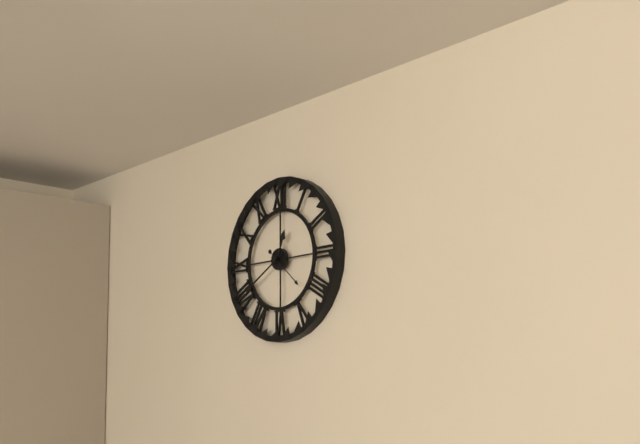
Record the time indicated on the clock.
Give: 12:40
